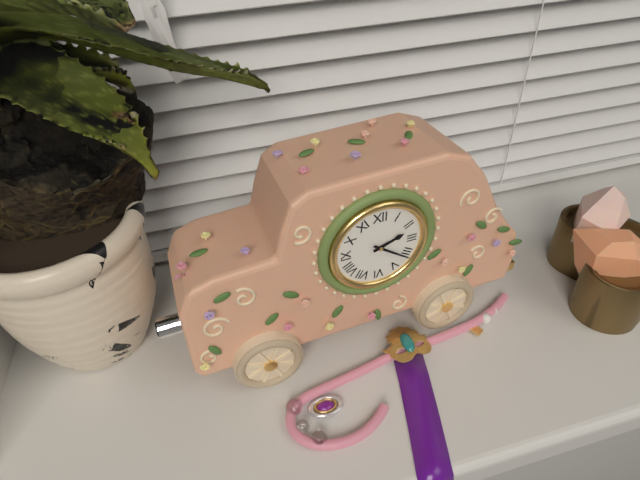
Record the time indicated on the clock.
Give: 2:21
